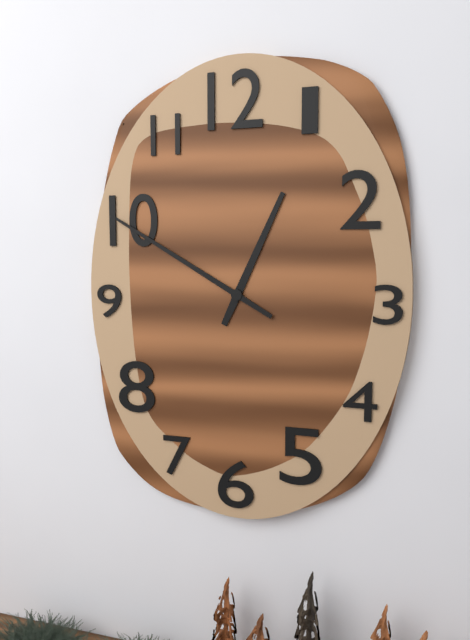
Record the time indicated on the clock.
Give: 12:50
